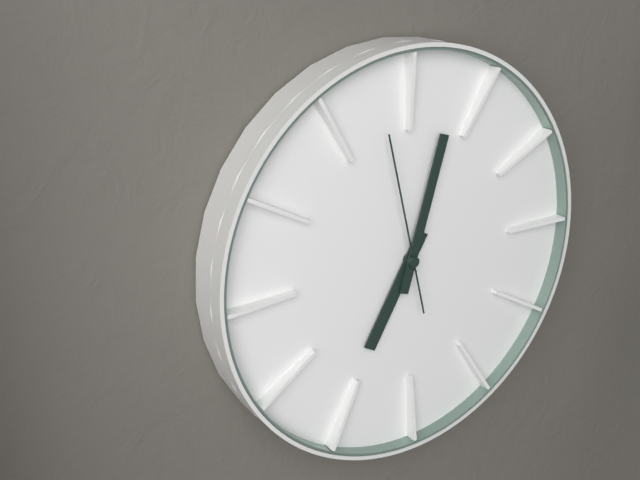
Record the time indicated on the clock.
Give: 7:03:58
